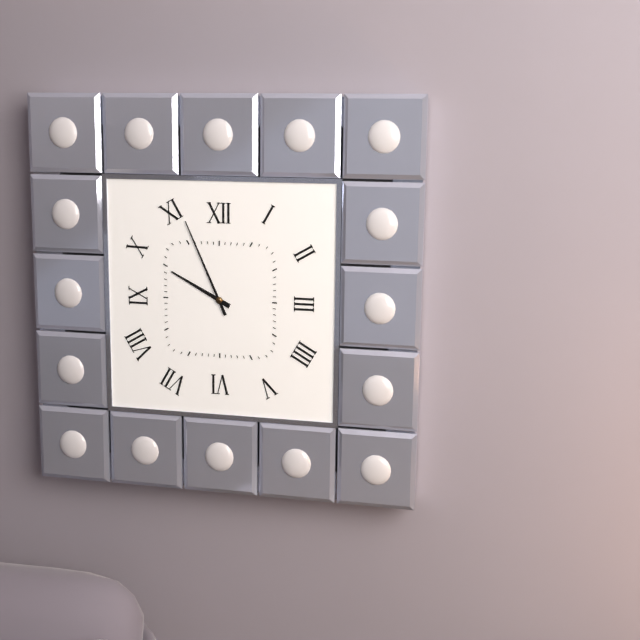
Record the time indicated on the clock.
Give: 9:56
